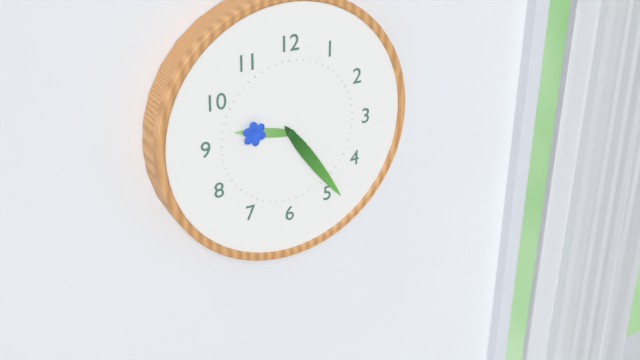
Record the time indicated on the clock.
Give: 9:24
